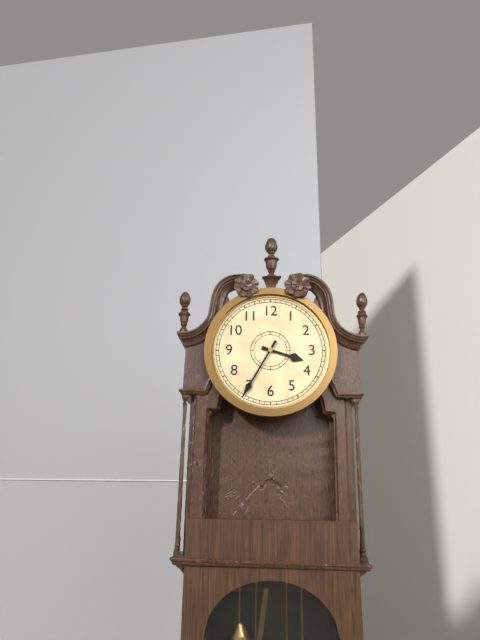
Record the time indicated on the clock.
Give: 3:35
